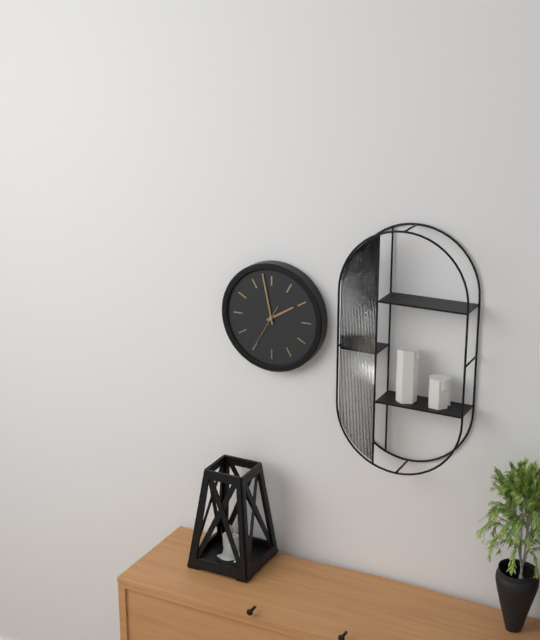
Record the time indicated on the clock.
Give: 1:58
